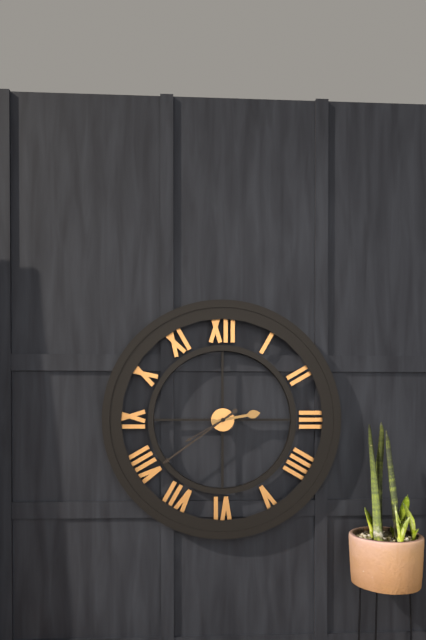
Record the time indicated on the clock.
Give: 2:39:40
